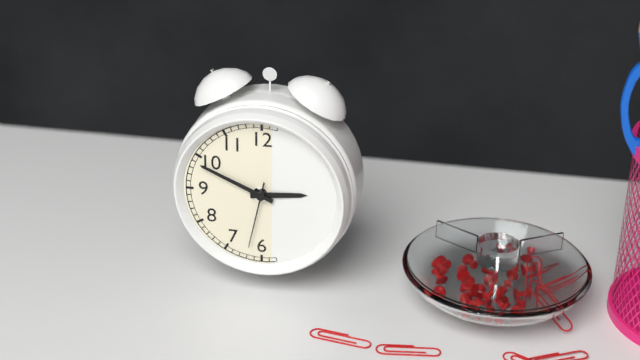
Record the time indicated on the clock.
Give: 2:49:32
